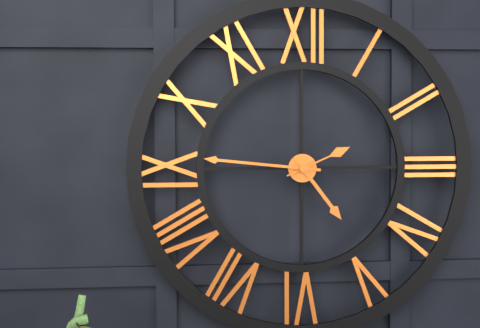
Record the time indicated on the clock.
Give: 4:46:11
